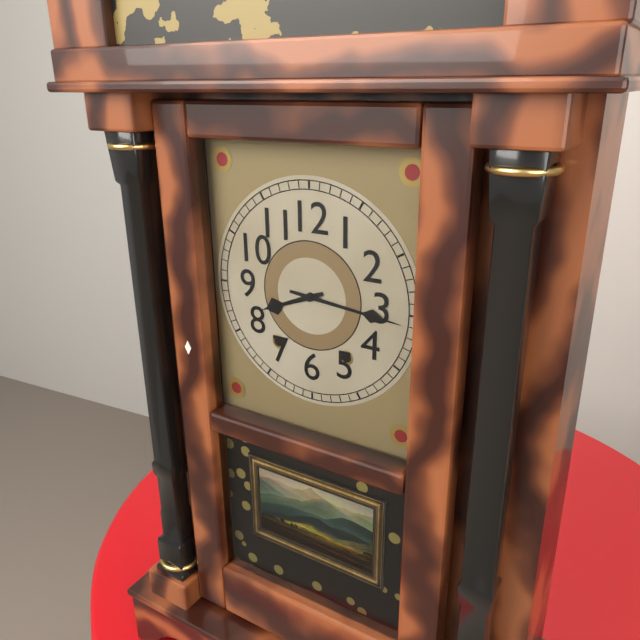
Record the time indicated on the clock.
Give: 8:16
